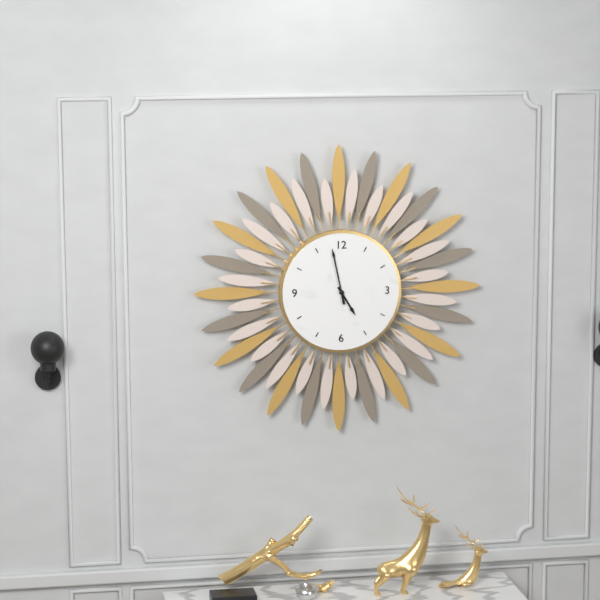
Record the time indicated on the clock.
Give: 4:58
